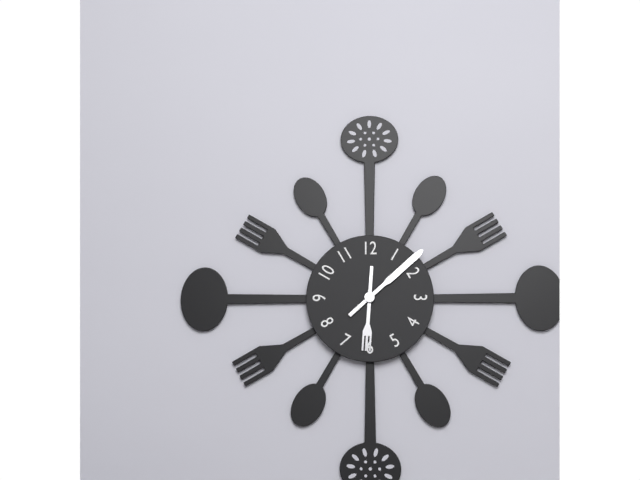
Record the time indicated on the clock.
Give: 6:08
